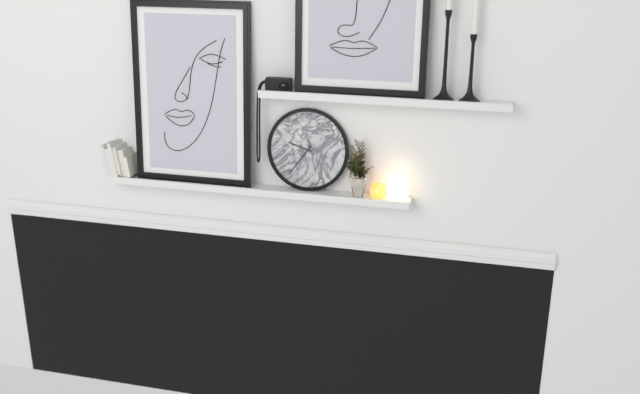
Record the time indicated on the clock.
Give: 9:36
